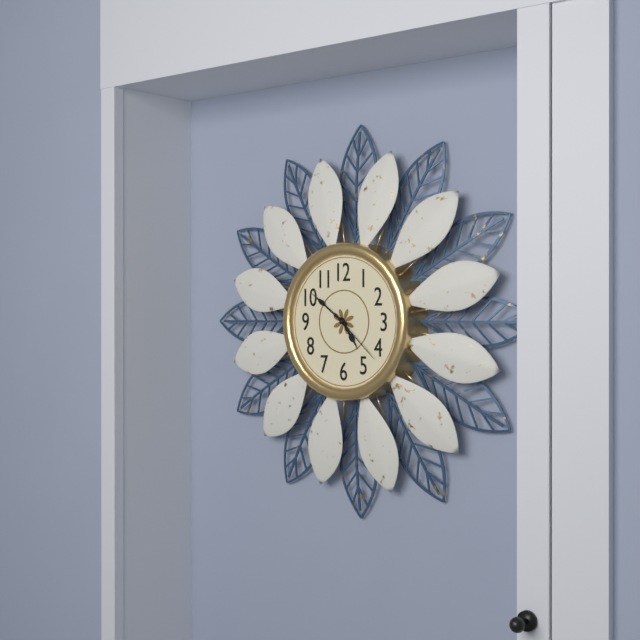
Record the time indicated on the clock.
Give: 4:51:22
